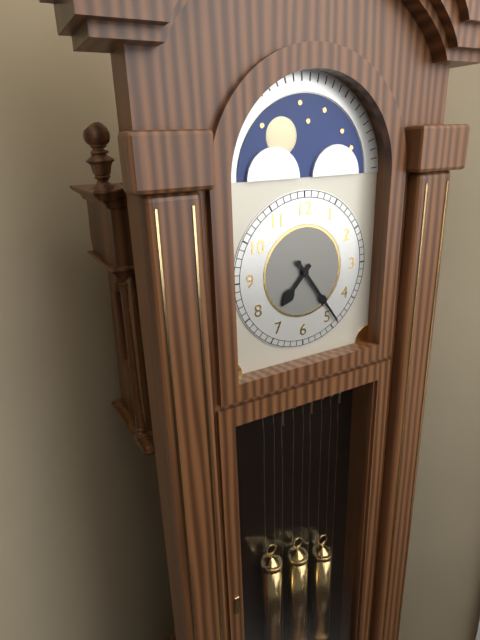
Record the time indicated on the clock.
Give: 7:24
